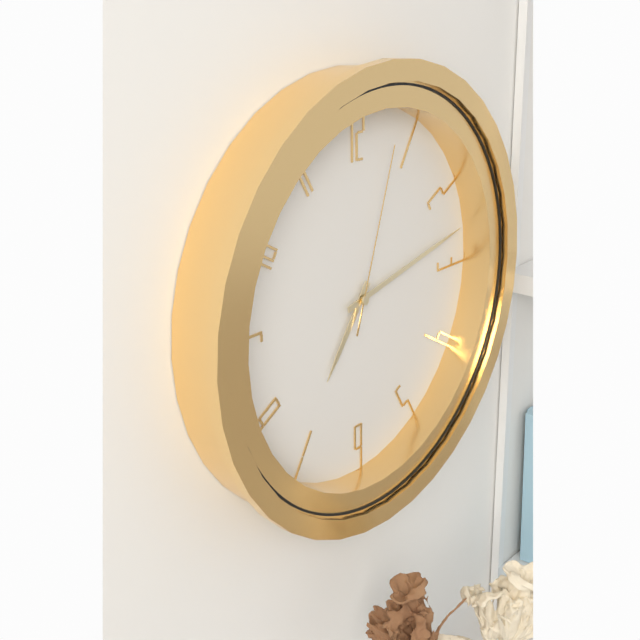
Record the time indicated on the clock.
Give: 7:13:03
